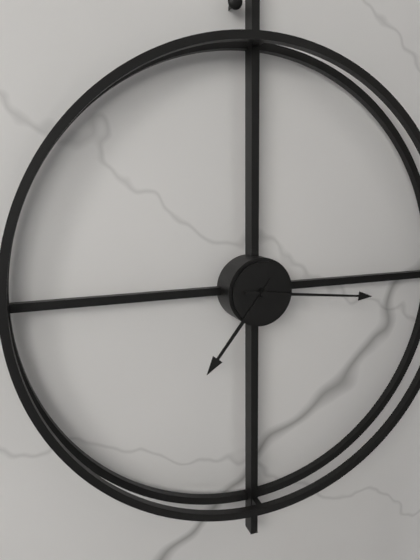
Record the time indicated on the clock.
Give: 7:16
